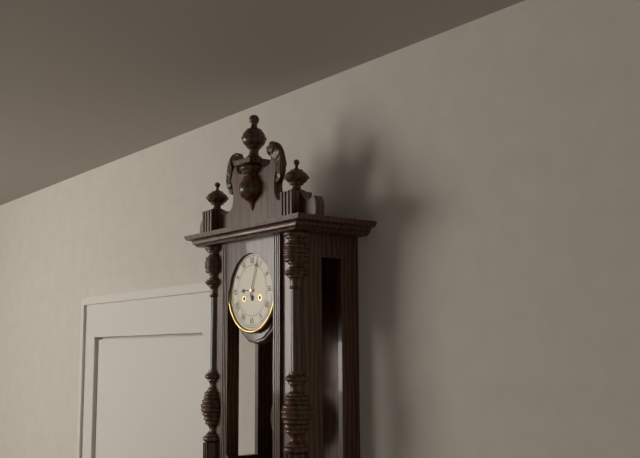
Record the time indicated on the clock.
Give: 9:03
